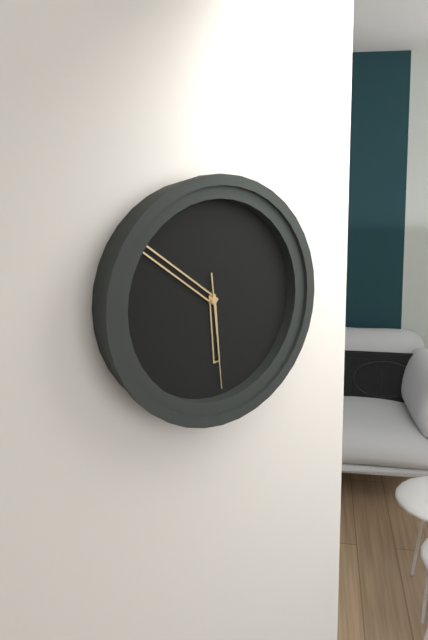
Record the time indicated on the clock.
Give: 5:51:29
